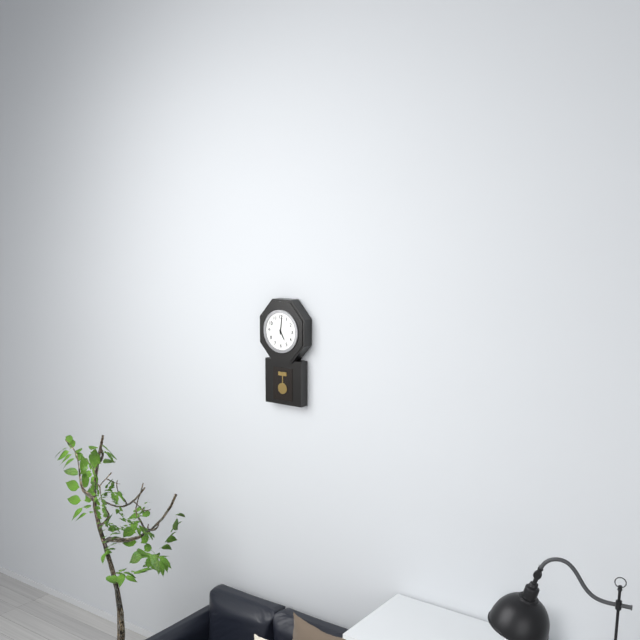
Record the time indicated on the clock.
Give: 5:01
